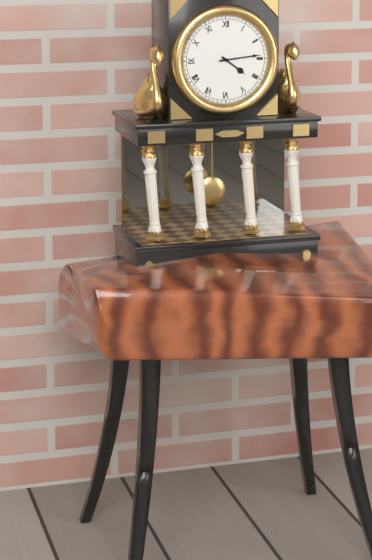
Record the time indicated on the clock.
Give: 4:14
